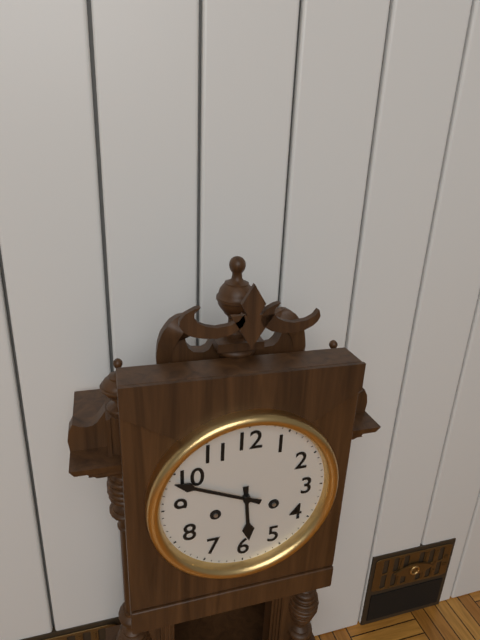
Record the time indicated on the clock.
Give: 5:49
